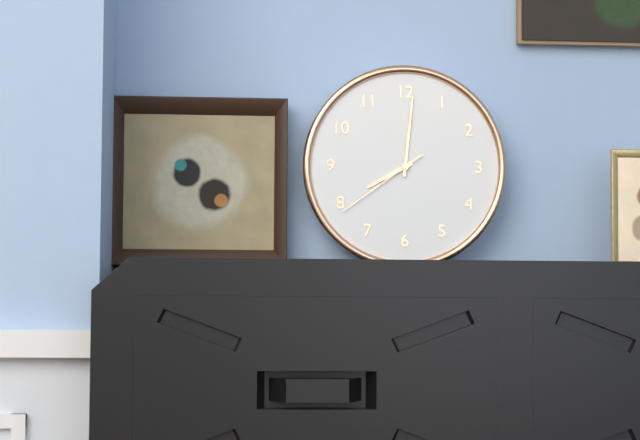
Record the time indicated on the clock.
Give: 8:01:39
